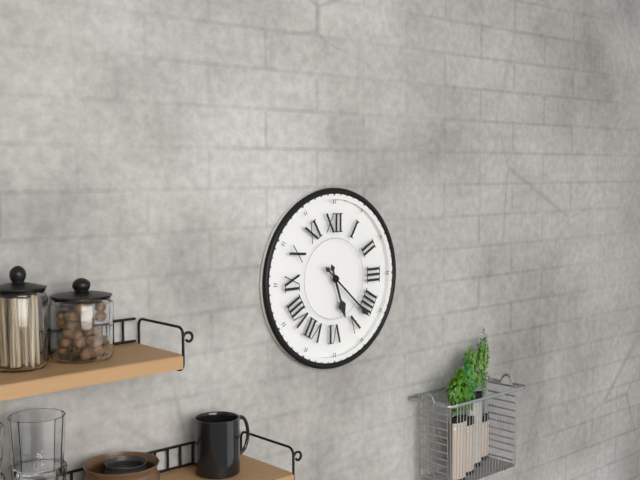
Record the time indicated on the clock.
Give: 5:22
